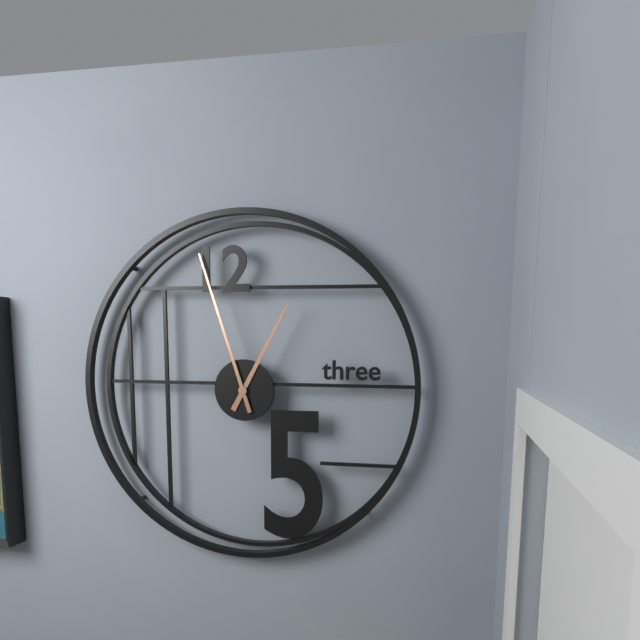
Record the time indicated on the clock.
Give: 12:57
